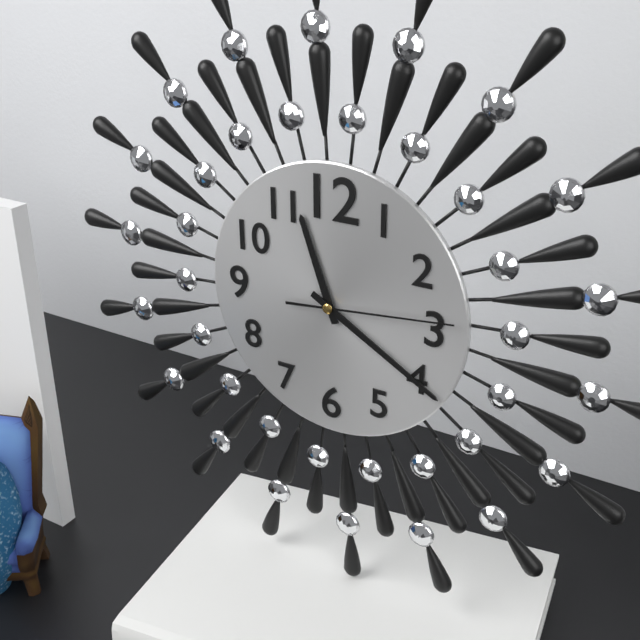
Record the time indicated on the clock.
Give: 11:20:14
